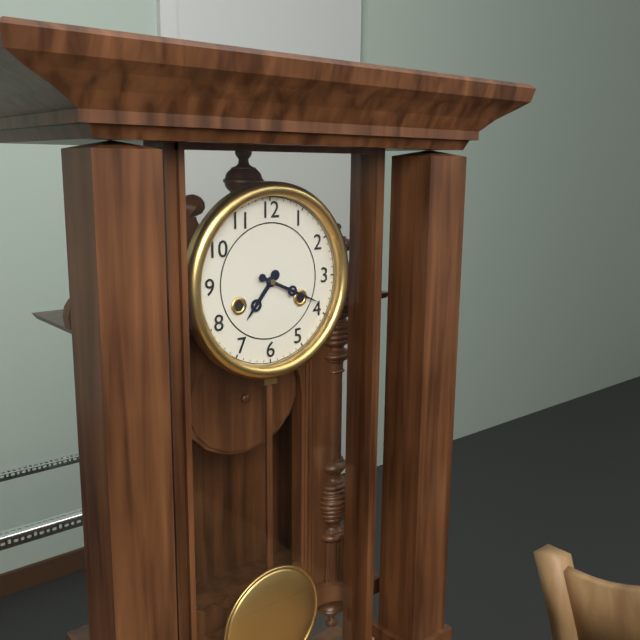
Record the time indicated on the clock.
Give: 7:19
